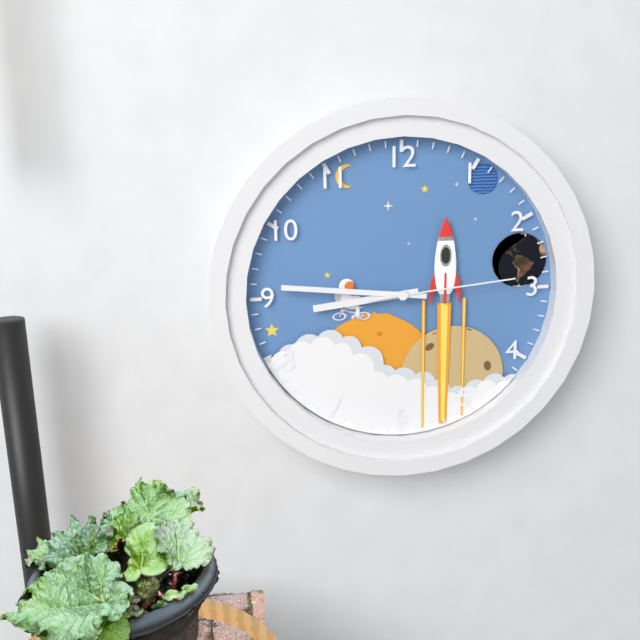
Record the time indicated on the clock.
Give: 8:46:14
